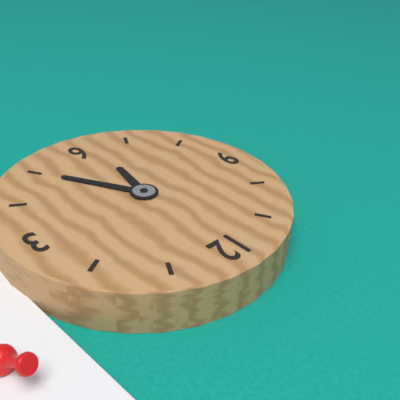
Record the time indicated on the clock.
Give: 6:25
